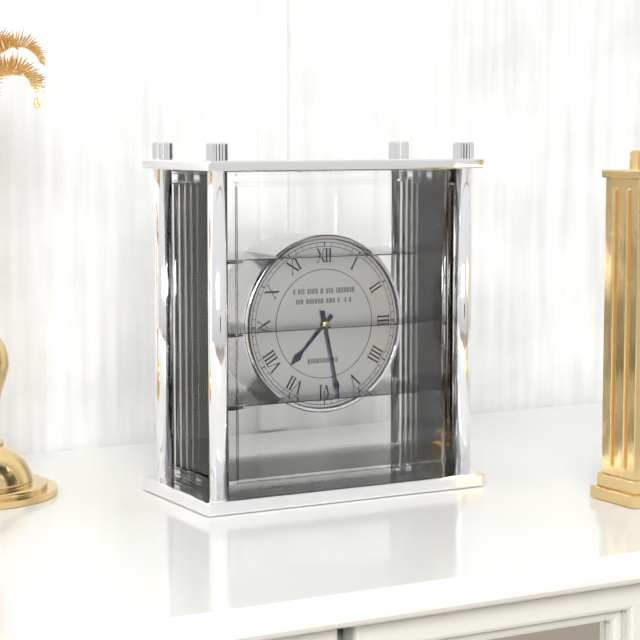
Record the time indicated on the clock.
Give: 7:28
